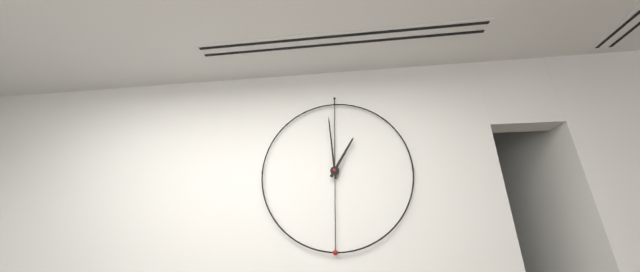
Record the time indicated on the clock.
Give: 12:59
